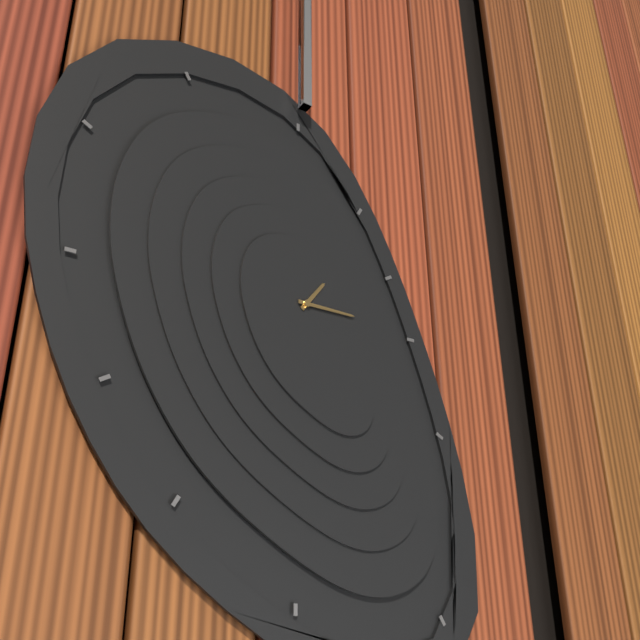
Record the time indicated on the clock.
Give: 1:15
